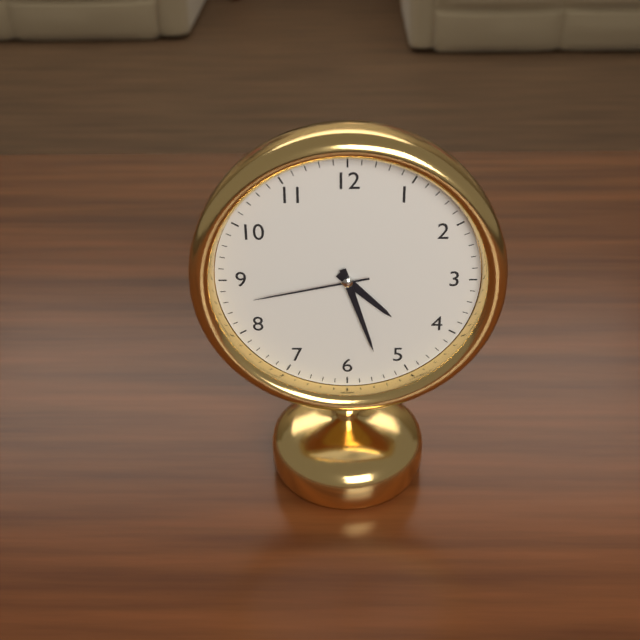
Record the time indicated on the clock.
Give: 4:27:43
